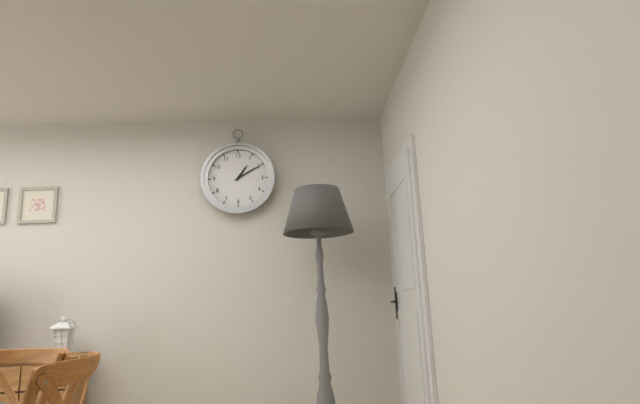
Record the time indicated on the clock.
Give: 1:10
